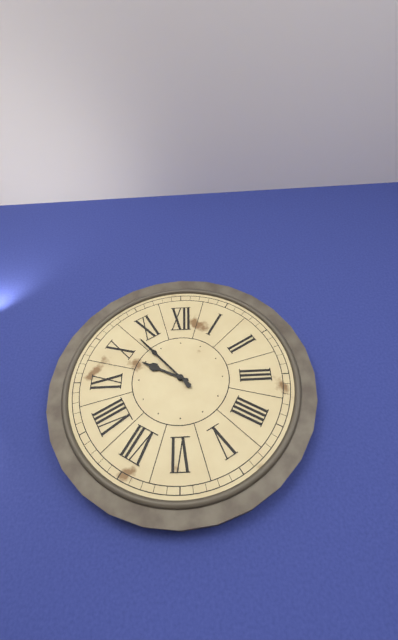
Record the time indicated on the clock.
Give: 9:53
